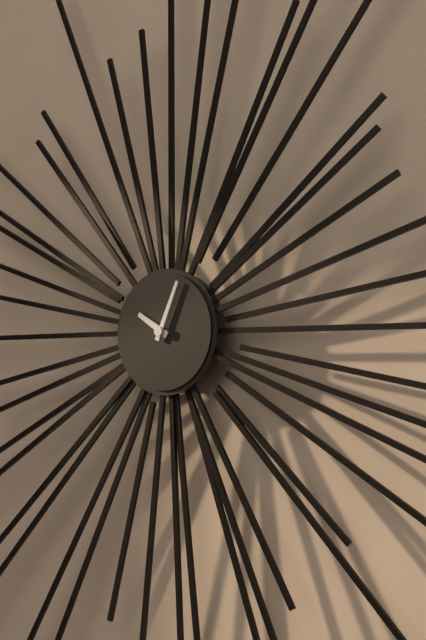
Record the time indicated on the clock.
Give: 10:04
